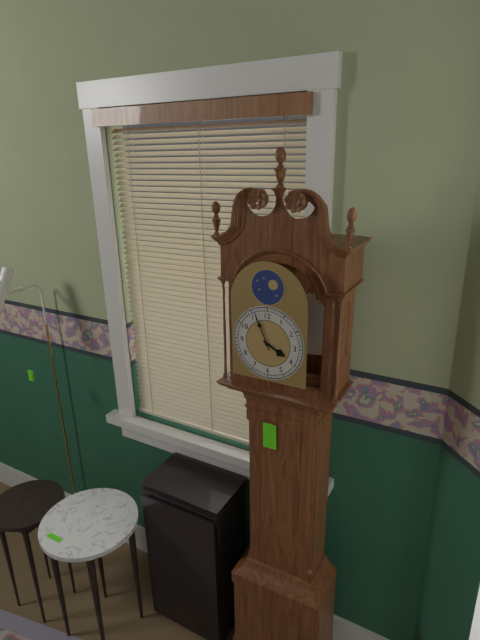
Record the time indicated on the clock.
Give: 3:56
